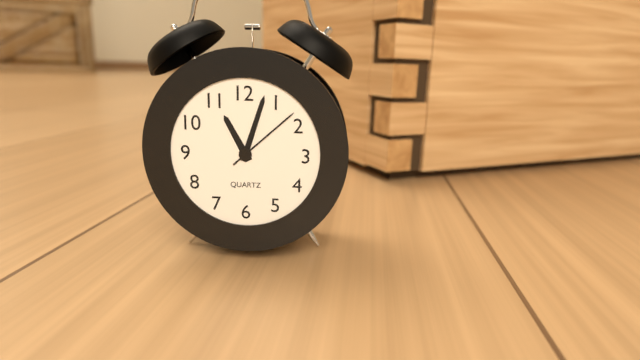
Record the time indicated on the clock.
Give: 11:03:08
